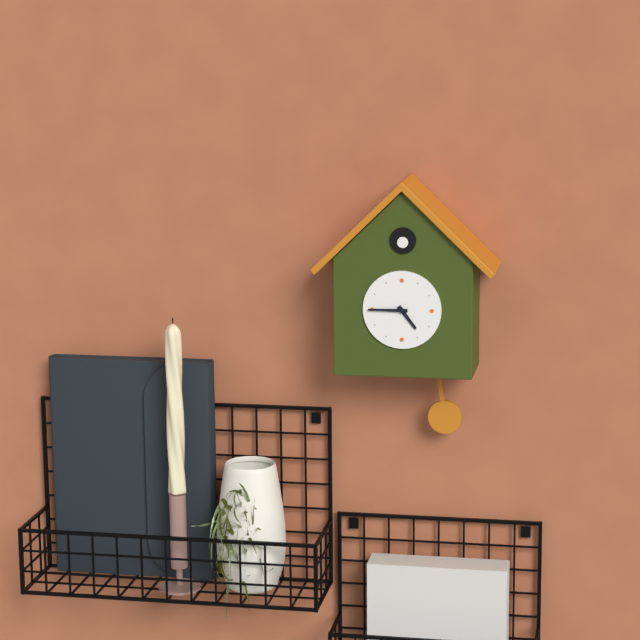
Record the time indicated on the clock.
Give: 4:45
